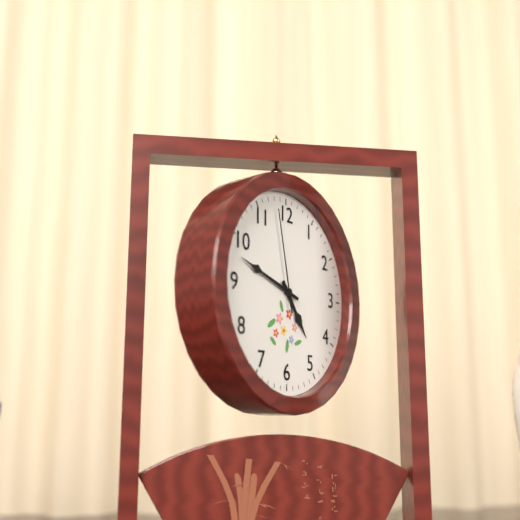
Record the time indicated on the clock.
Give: 4:48:58
